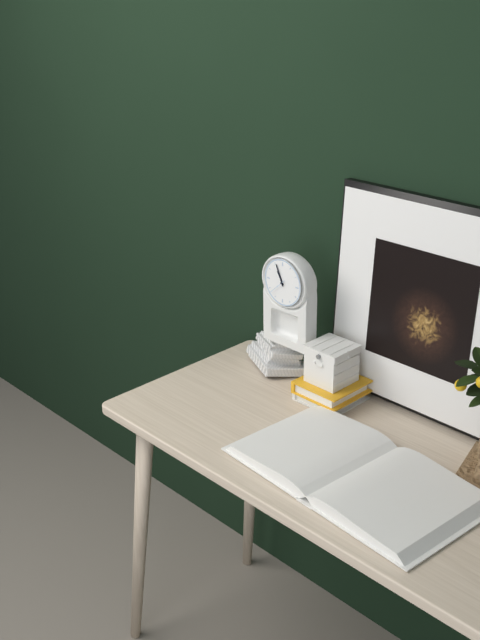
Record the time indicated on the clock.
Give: 10:56
